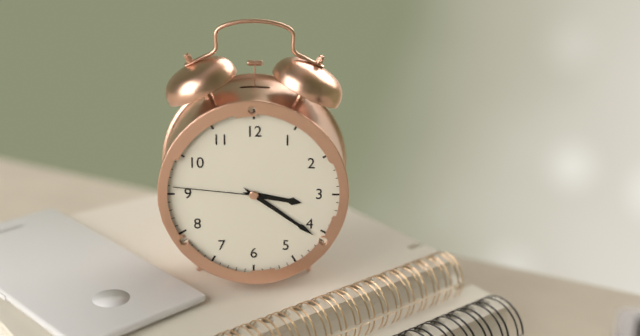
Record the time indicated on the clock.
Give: 3:21:46
